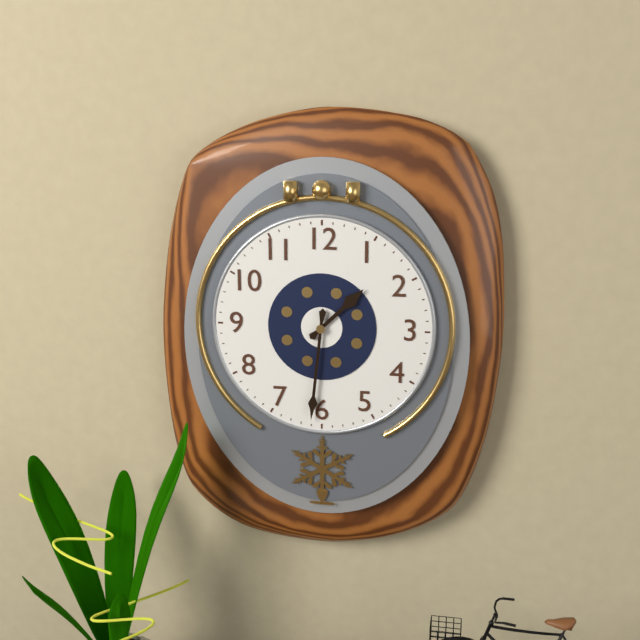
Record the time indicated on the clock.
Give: 1:31
